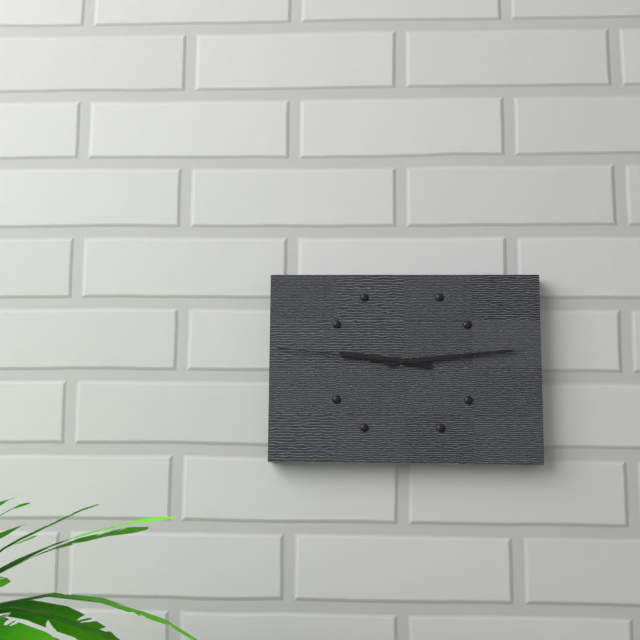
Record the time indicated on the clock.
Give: 9:14:46
